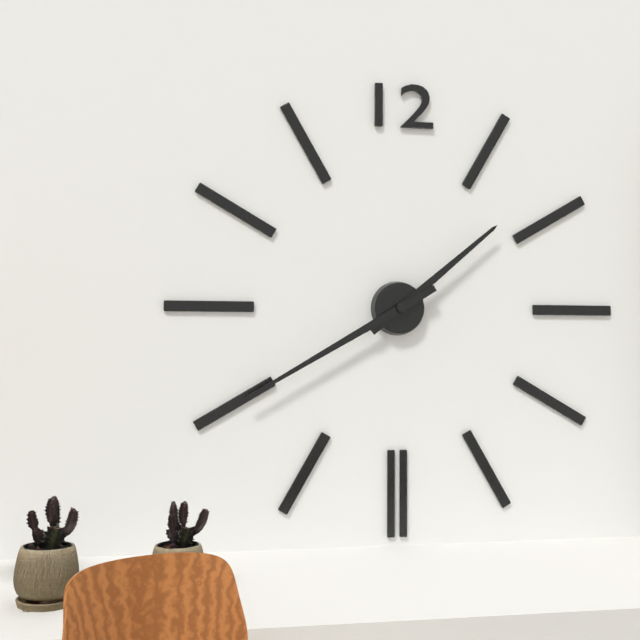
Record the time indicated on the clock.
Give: 1:40
